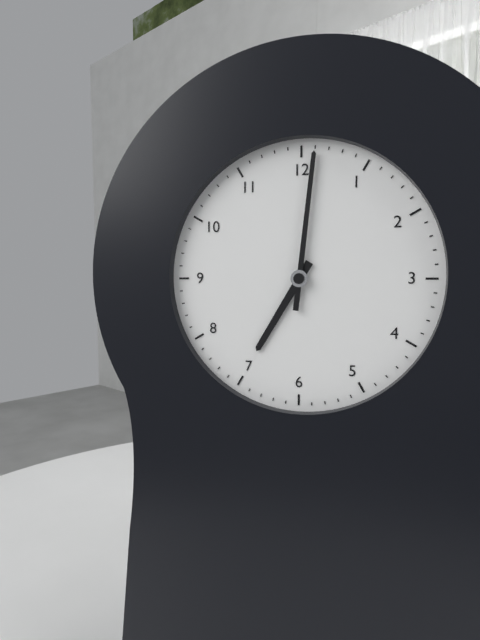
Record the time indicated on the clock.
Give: 7:01
